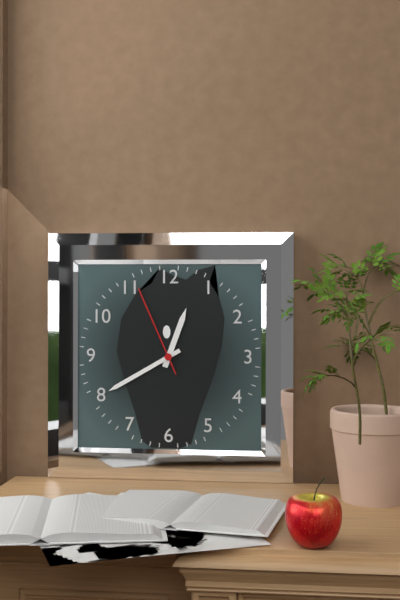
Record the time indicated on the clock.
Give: 12:40:56
